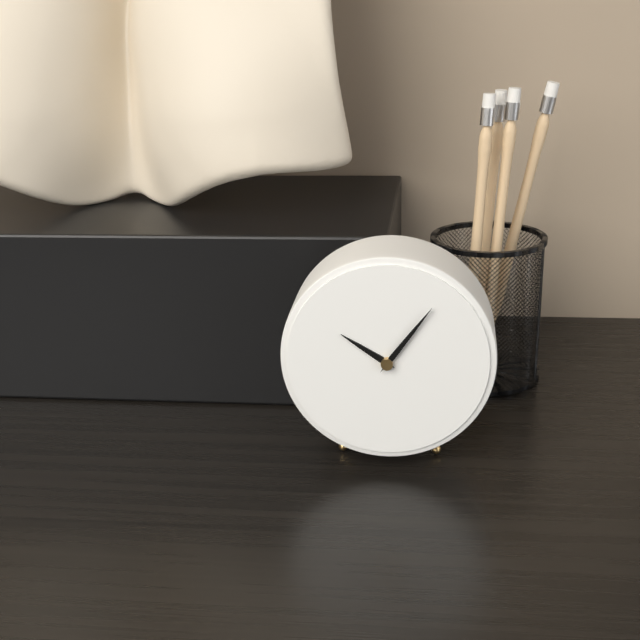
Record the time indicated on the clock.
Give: 10:06
